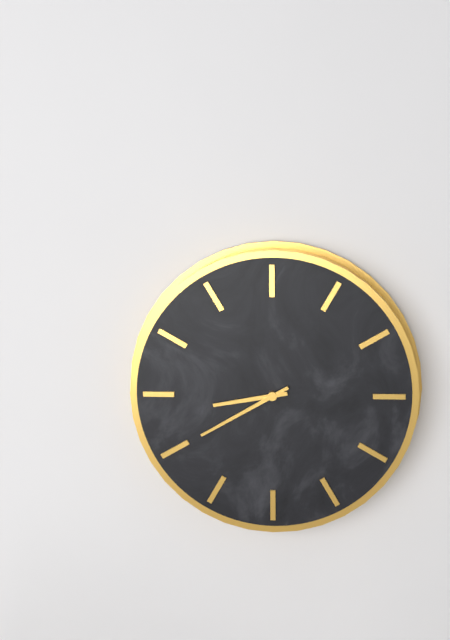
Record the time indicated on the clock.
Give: 8:40
